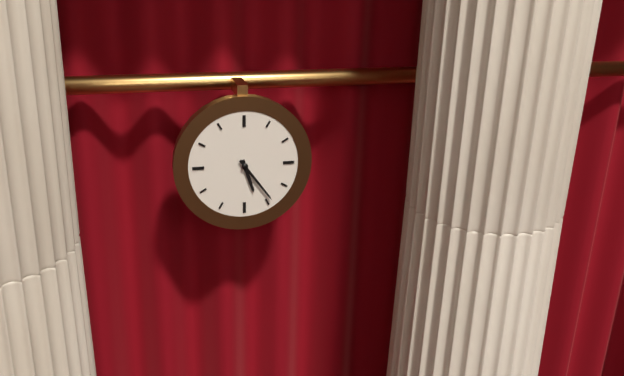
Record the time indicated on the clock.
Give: 5:24
